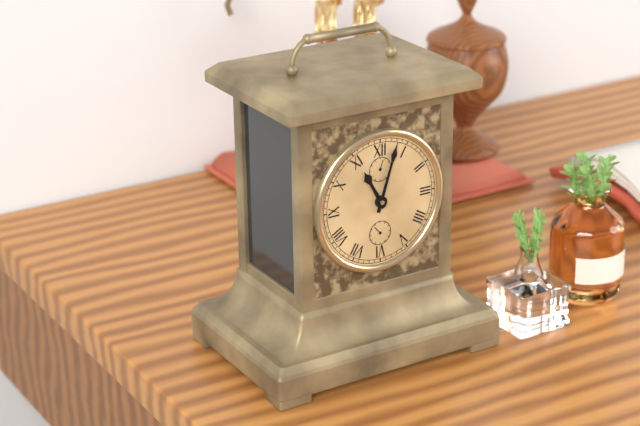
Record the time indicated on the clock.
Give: 11:03
